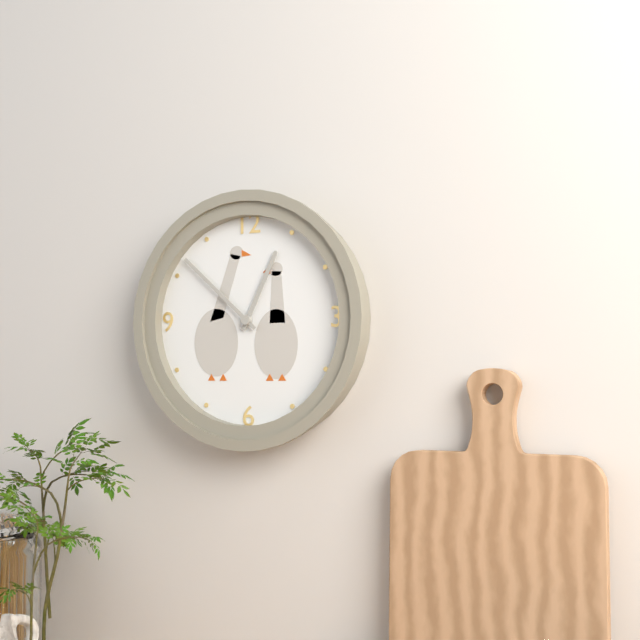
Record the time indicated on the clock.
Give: 12:52
